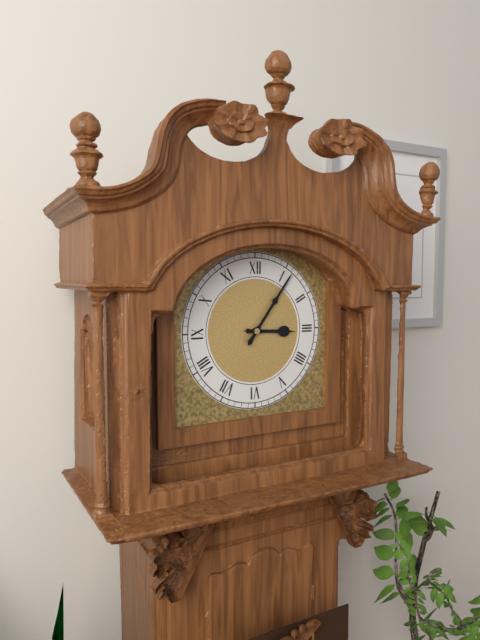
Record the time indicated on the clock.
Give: 3:06
